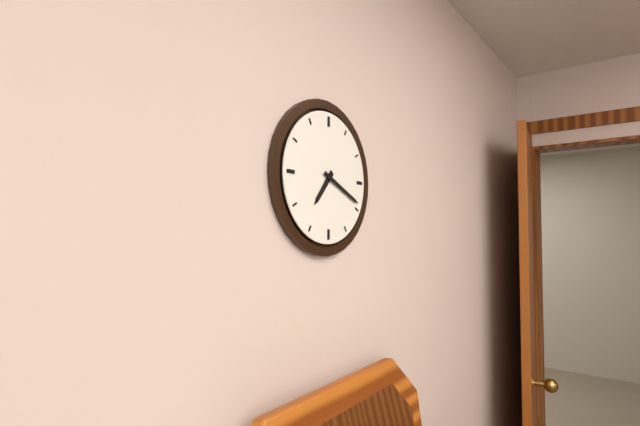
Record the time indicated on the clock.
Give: 7:19
